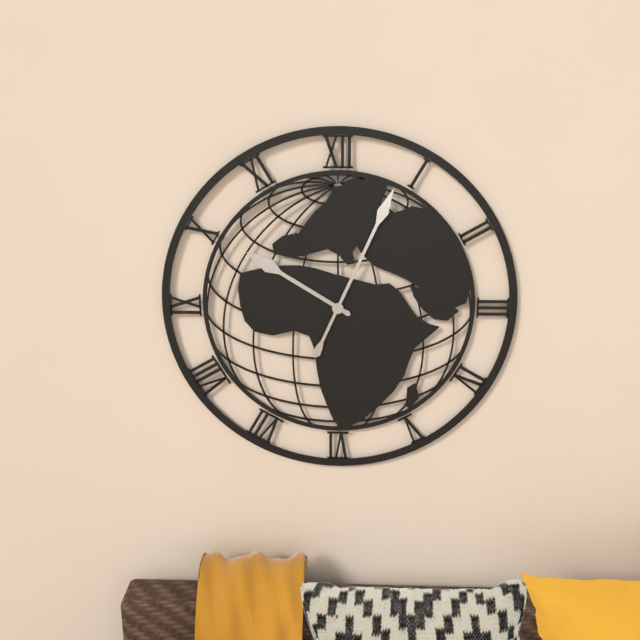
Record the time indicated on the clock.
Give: 10:04
